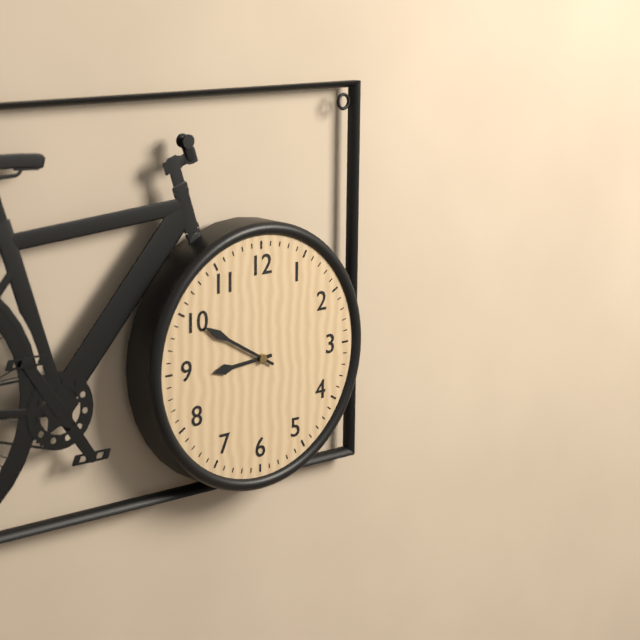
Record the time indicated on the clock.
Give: 8:50
